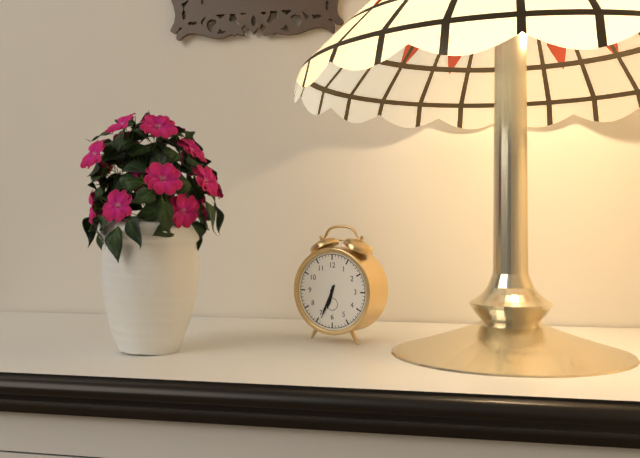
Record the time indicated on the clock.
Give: 6:34
